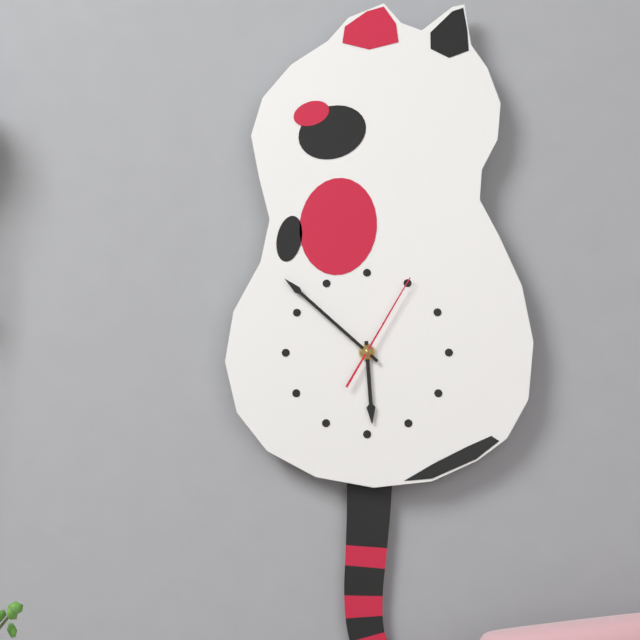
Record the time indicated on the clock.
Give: 5:52:05
